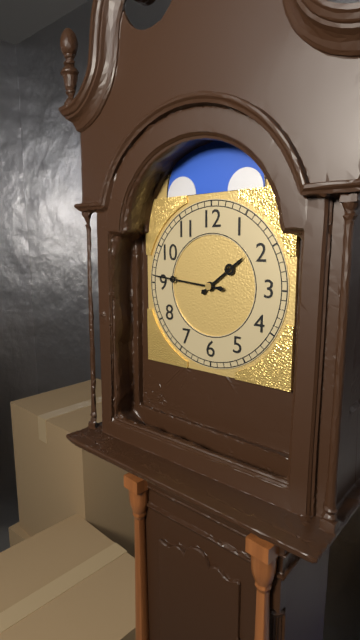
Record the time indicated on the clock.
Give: 1:46
